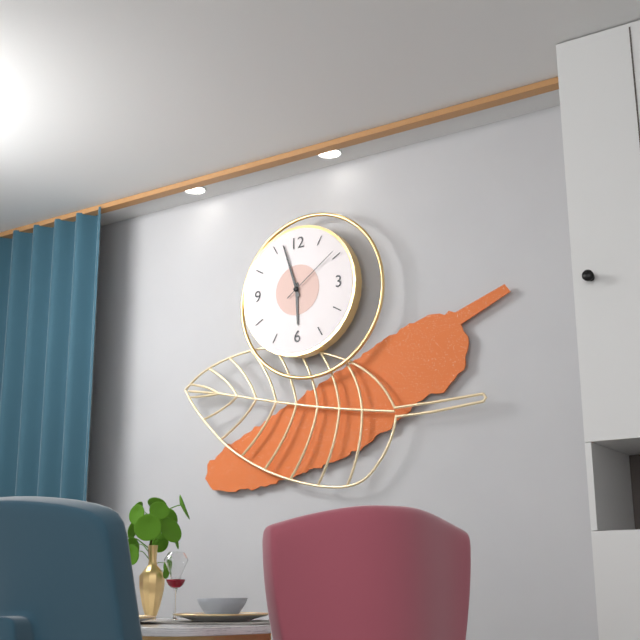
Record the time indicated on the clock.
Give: 5:57:09
